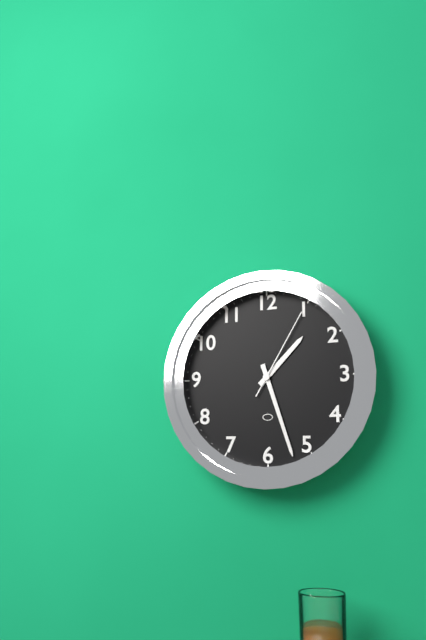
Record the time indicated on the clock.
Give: 1:27:05
